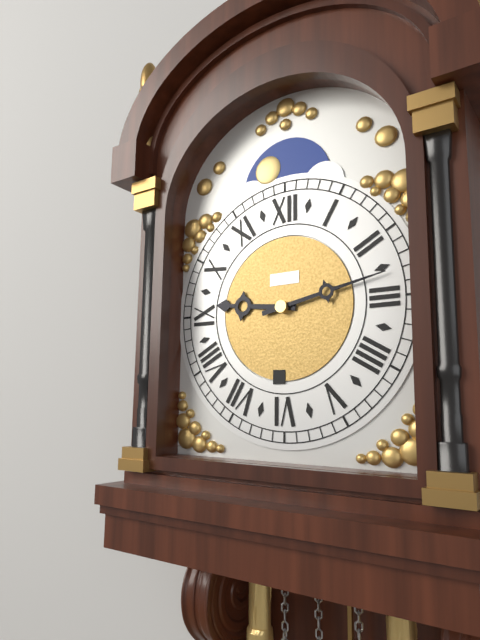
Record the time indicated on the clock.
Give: 9:13
